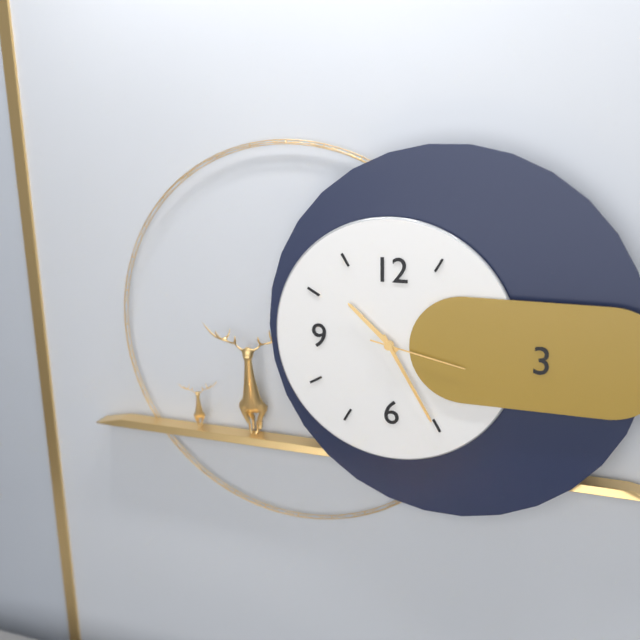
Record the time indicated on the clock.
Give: 10:25:17
